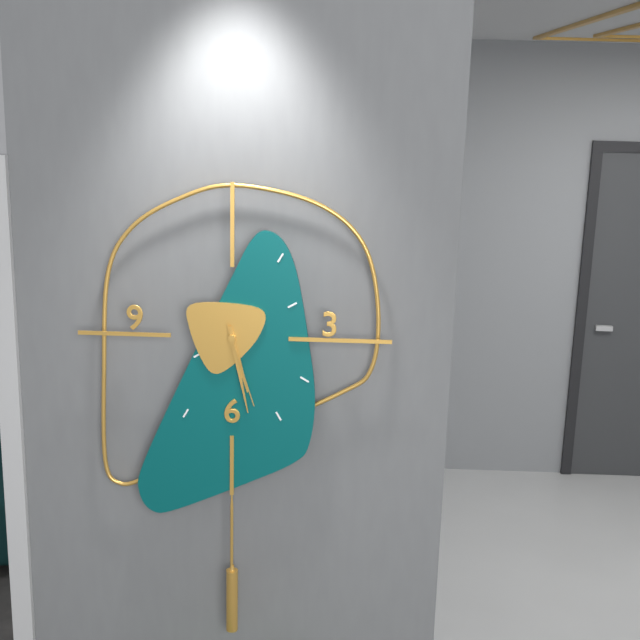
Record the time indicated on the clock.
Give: 5:28:27
